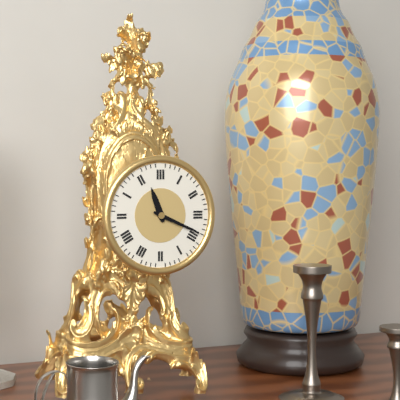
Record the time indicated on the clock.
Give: 11:19
